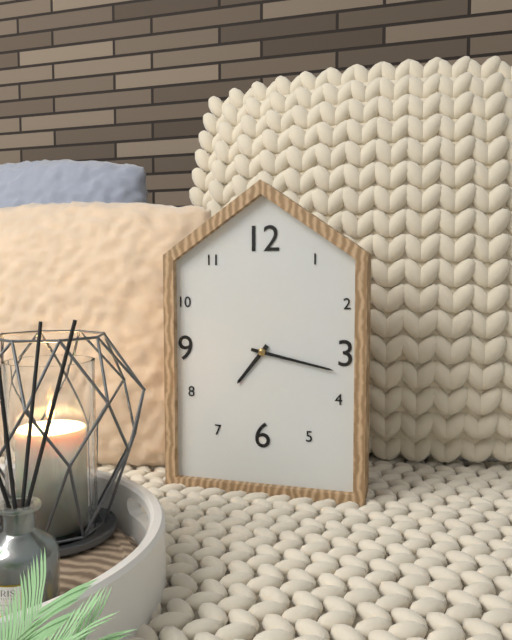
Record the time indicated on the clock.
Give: 7:17
